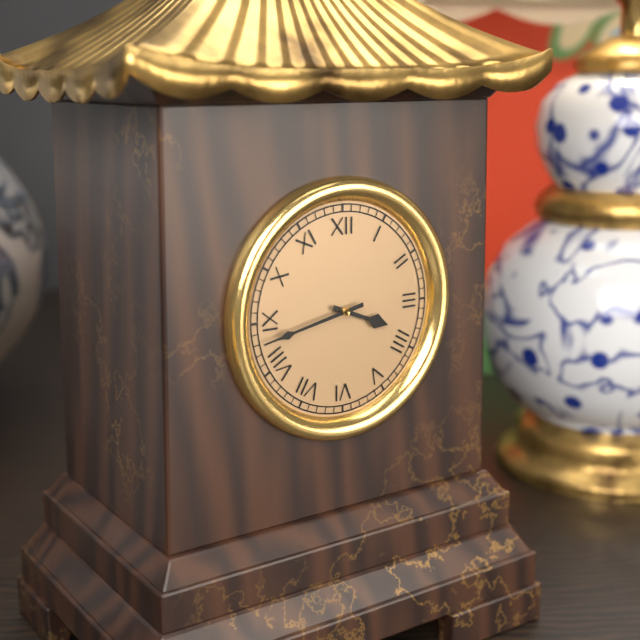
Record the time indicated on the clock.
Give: 3:43
